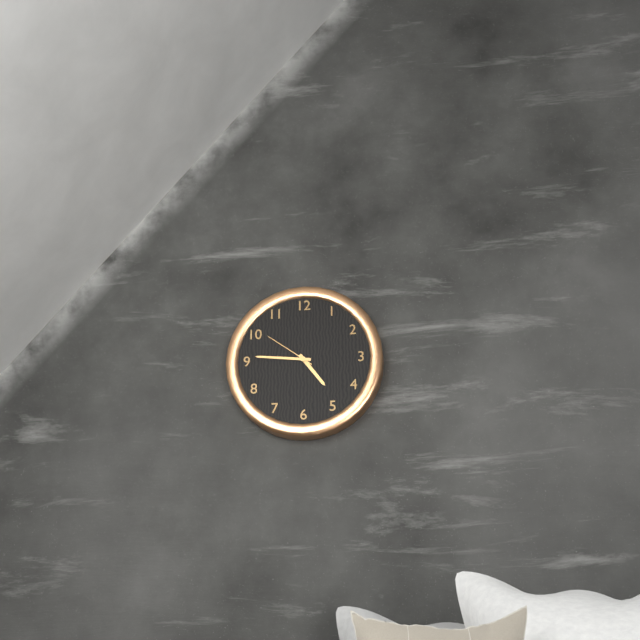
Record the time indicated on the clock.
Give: 4:46:51
